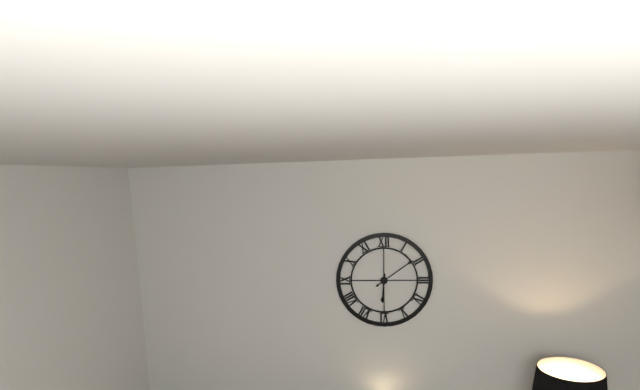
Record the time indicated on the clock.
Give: 6:09
